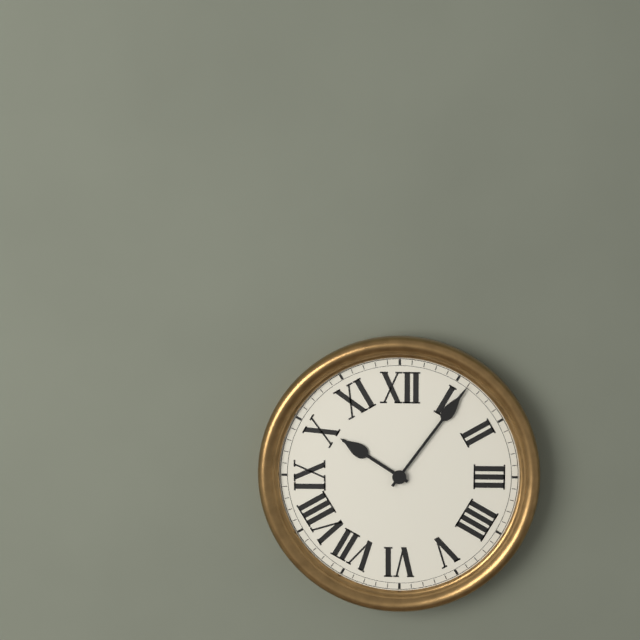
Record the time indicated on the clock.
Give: 10:06
